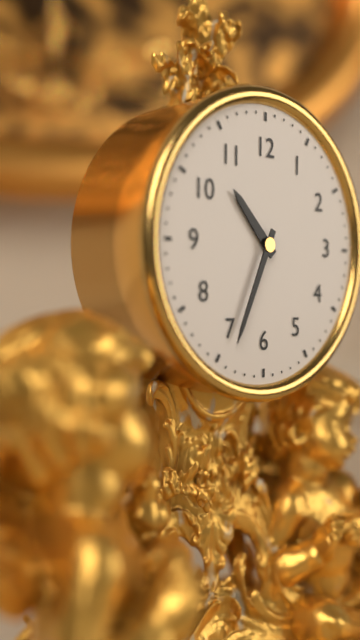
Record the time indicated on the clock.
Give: 10:34
